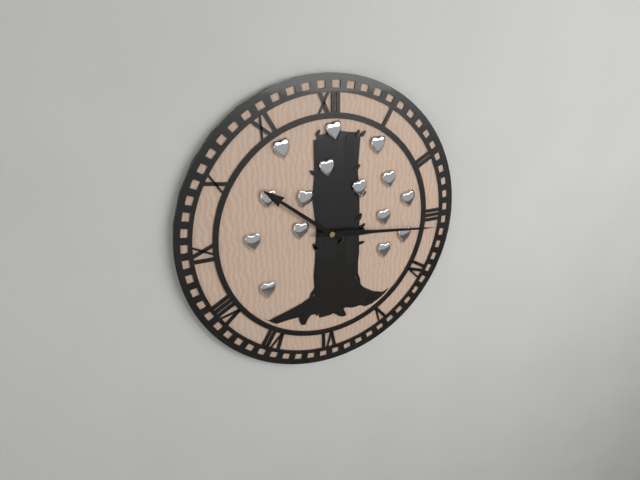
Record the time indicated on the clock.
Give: 10:16
